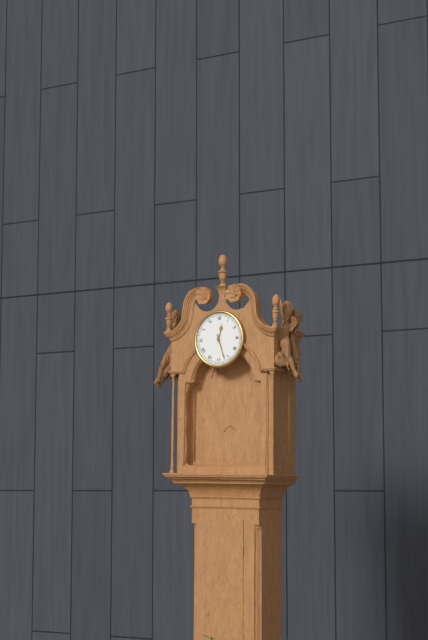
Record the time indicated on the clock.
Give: 12:27
